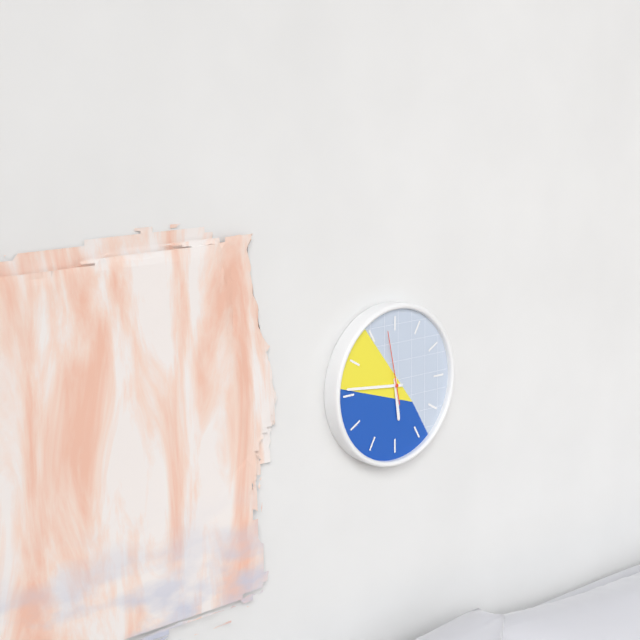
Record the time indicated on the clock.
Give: 5:46:58
